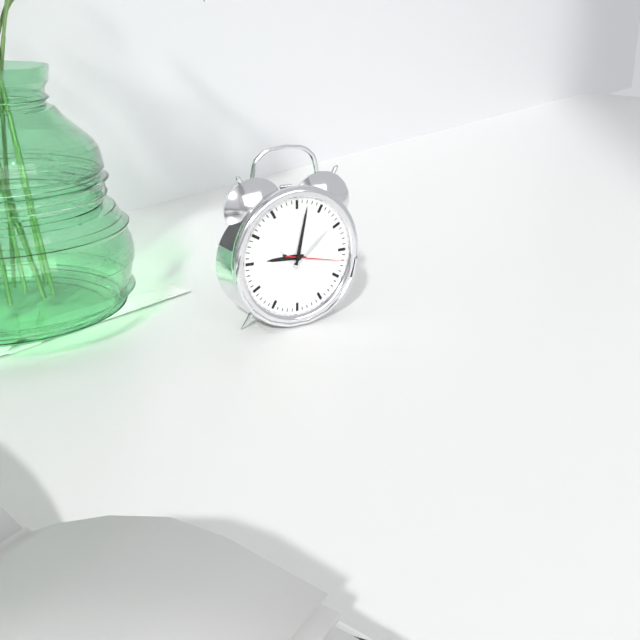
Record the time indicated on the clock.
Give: 9:02:17
